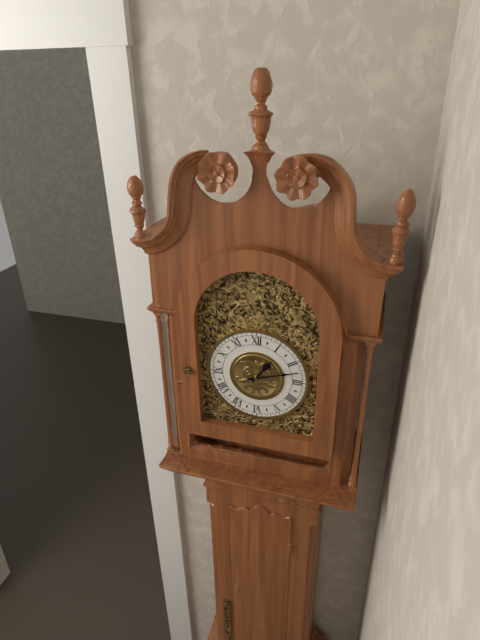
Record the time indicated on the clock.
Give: 1:12
